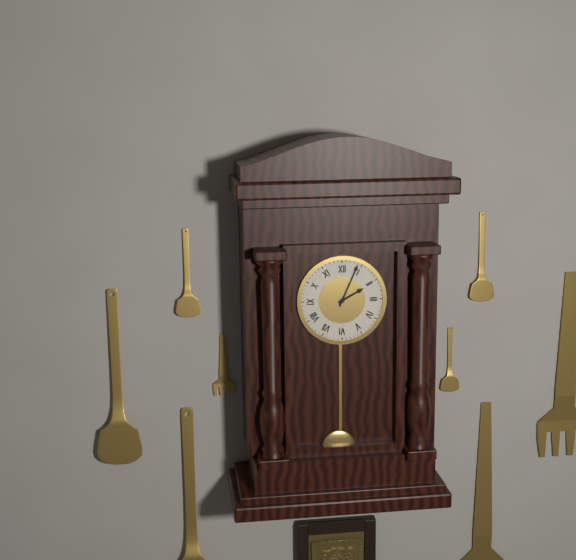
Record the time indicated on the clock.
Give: 2:04
